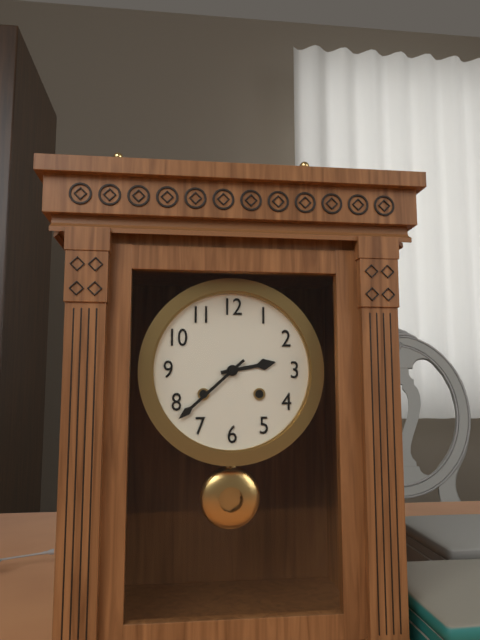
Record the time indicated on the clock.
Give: 2:38
